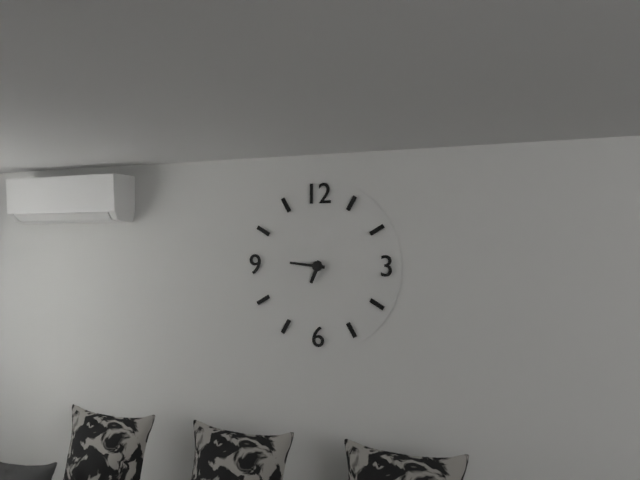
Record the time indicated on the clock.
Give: 6:46
